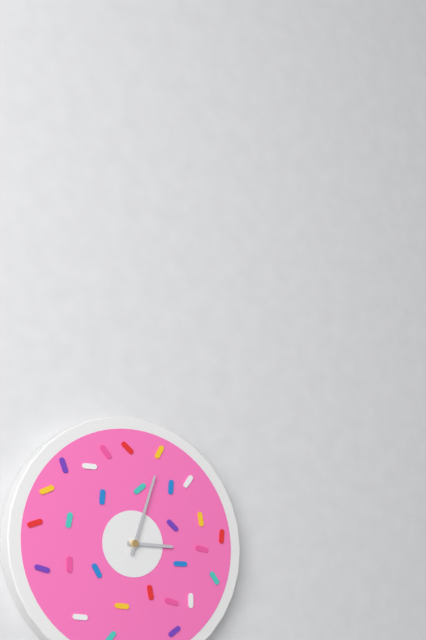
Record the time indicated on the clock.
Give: 3:03
